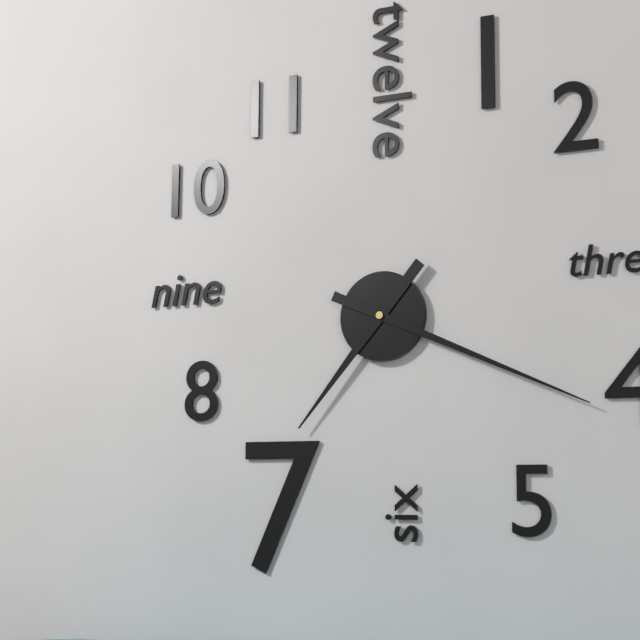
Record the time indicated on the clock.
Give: 7:19
